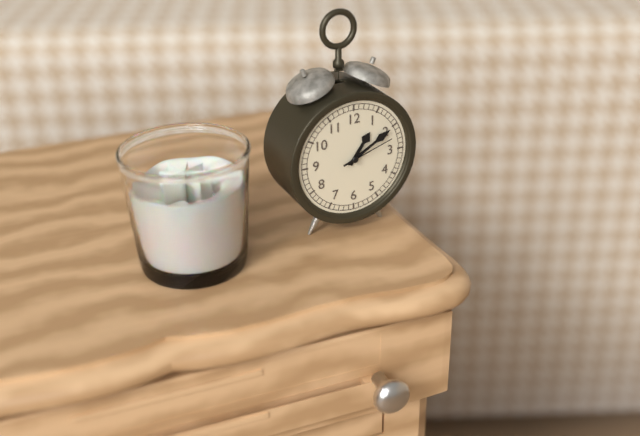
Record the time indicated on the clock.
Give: 1:10:12
